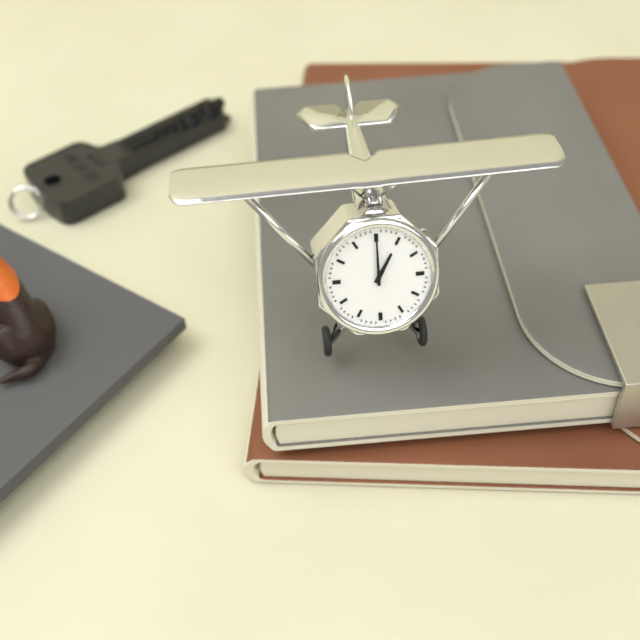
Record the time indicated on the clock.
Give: 1:00
